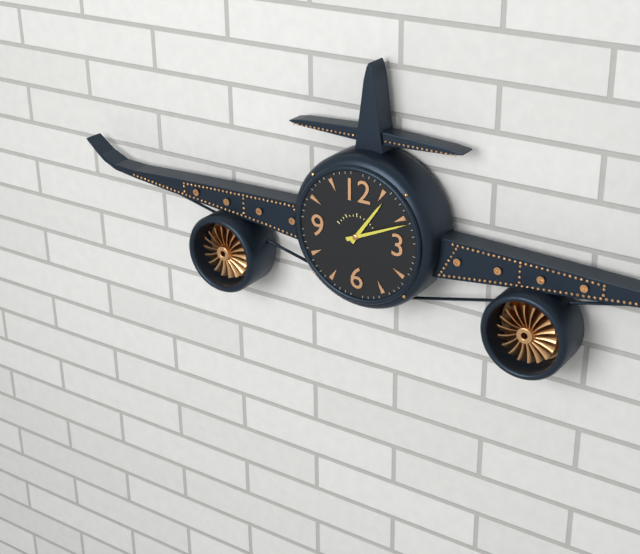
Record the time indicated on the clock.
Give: 1:11
